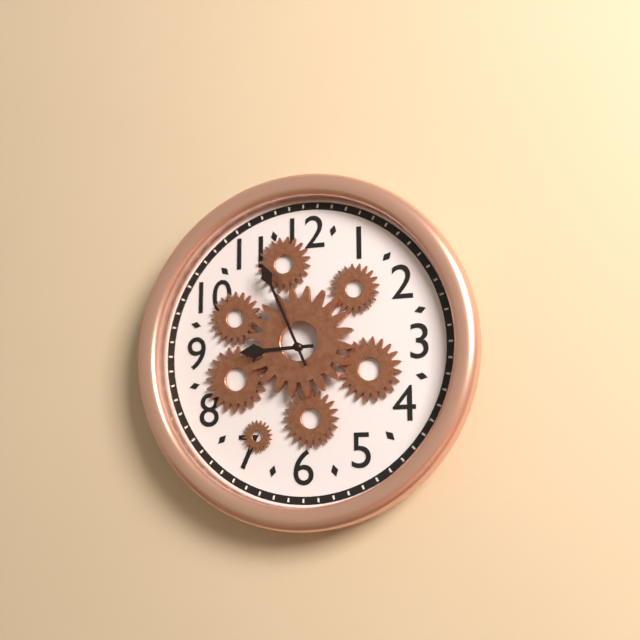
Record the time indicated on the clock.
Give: 8:56
